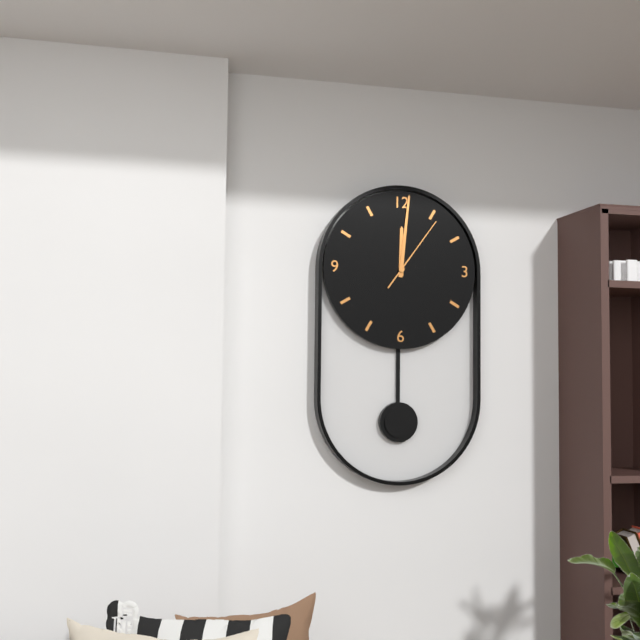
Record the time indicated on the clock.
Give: 12:01:06
